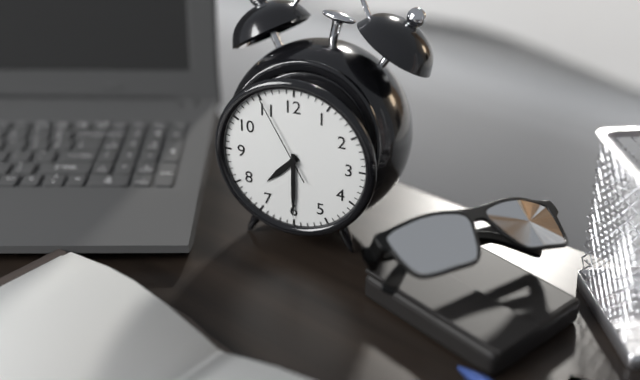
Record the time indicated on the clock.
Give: 7:30:55
